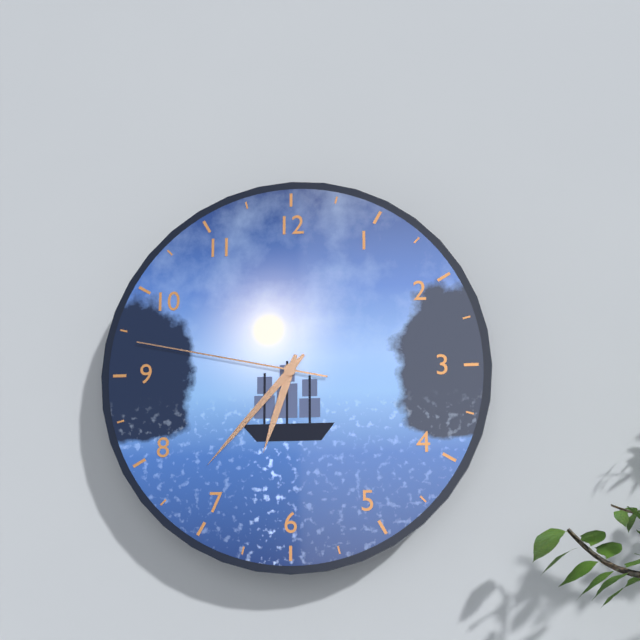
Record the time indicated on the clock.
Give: 6:37:47
